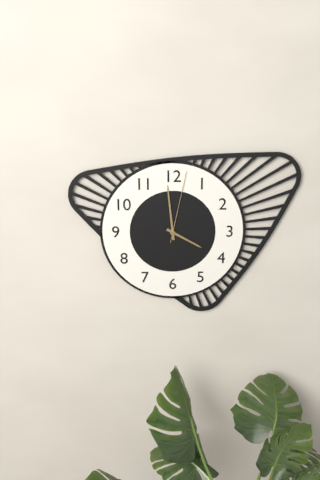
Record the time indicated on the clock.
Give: 3:59:02
